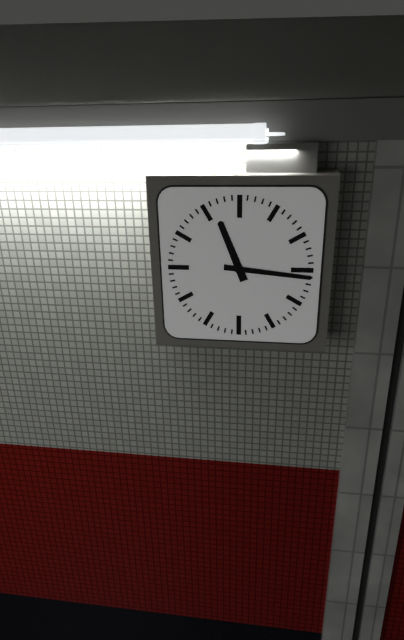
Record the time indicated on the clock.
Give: 11:16
